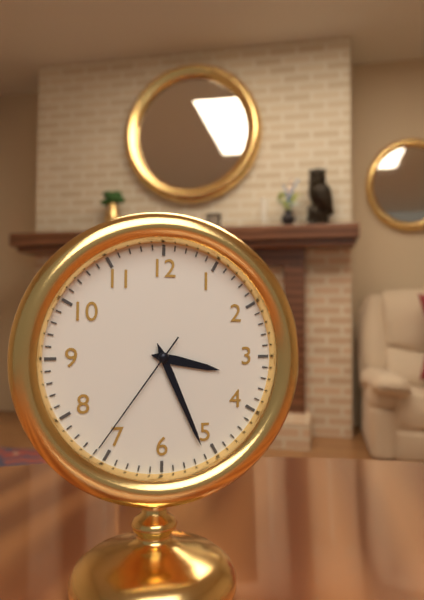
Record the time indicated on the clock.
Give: 3:26:36
